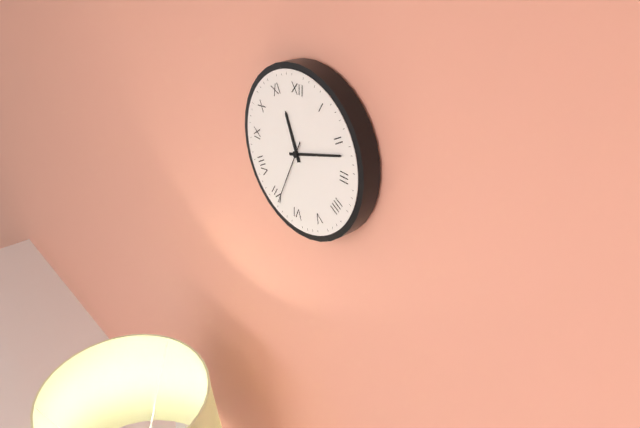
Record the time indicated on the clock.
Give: 11:12:34
